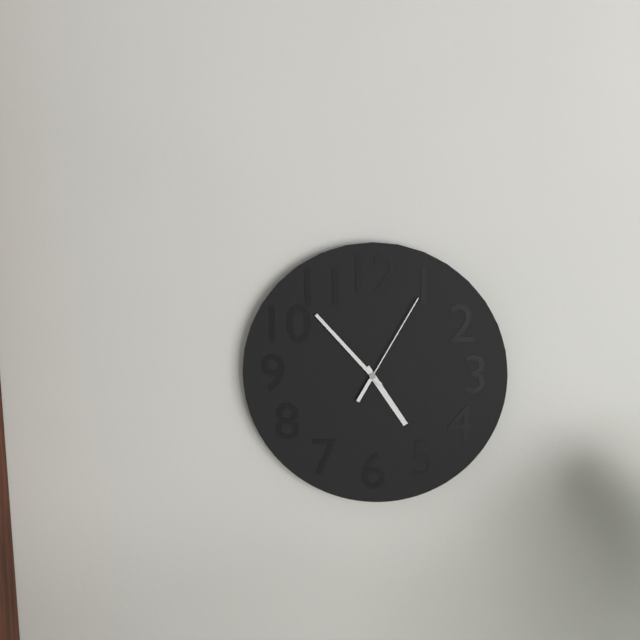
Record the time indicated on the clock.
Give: 4:53:05
